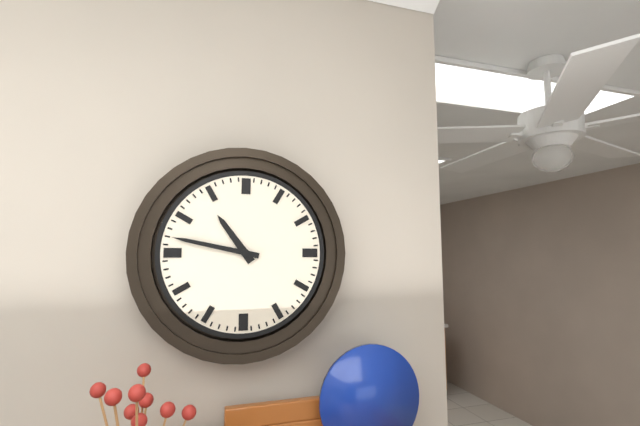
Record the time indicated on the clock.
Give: 10:47
